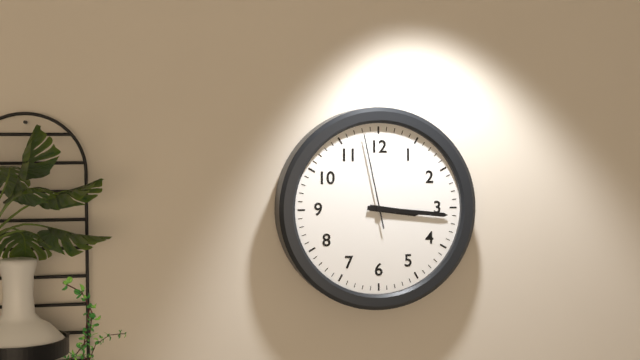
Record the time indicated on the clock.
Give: 3:16:58
